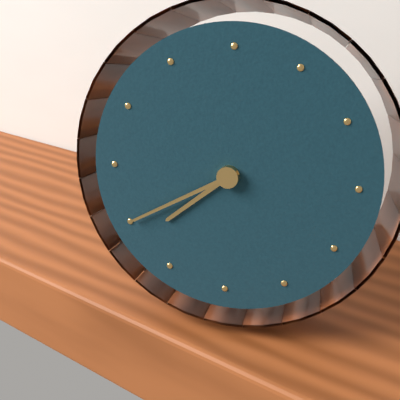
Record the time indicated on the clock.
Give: 7:40
